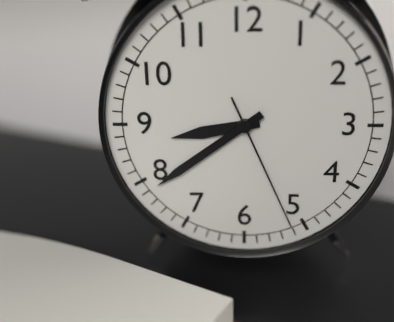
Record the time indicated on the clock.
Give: 8:39:26
